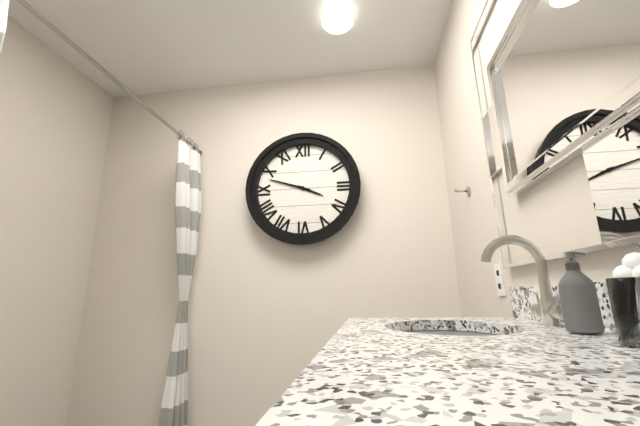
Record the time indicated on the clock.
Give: 3:48
